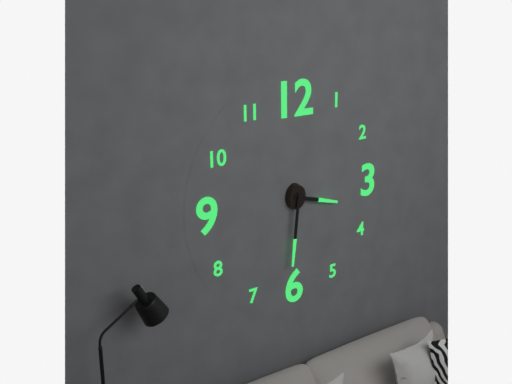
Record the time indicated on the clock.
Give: 3:31
